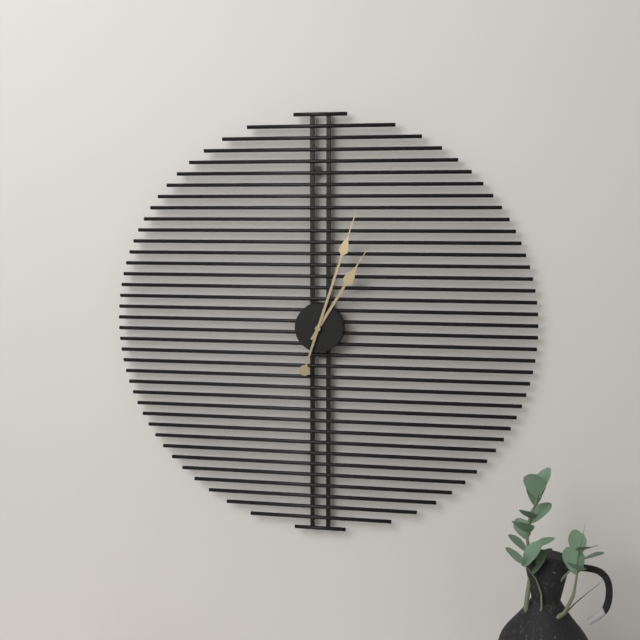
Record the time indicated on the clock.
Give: 1:03
